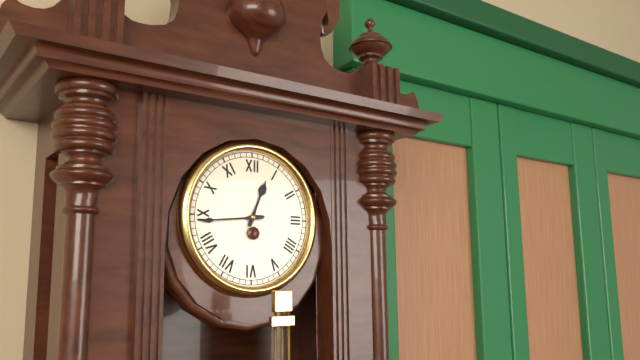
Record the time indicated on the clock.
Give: 12:44
